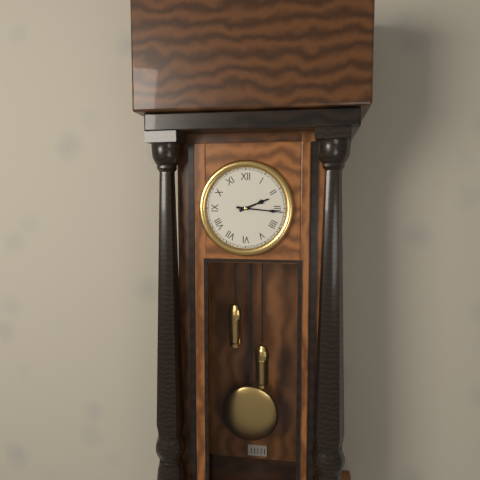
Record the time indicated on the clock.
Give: 2:16
